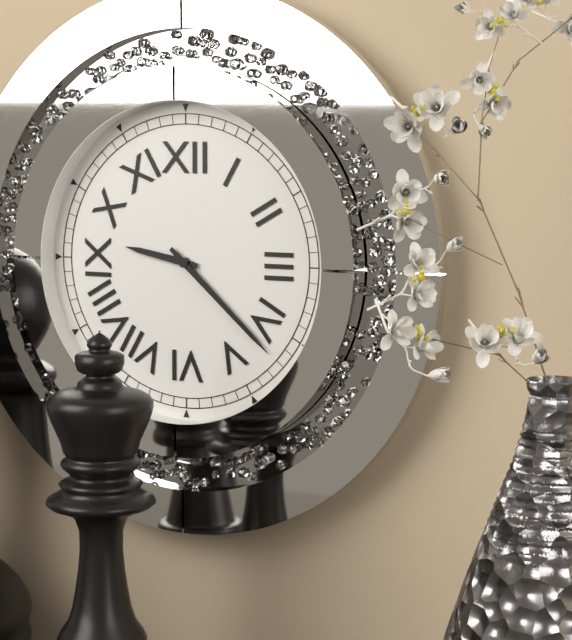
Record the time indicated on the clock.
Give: 9:22
